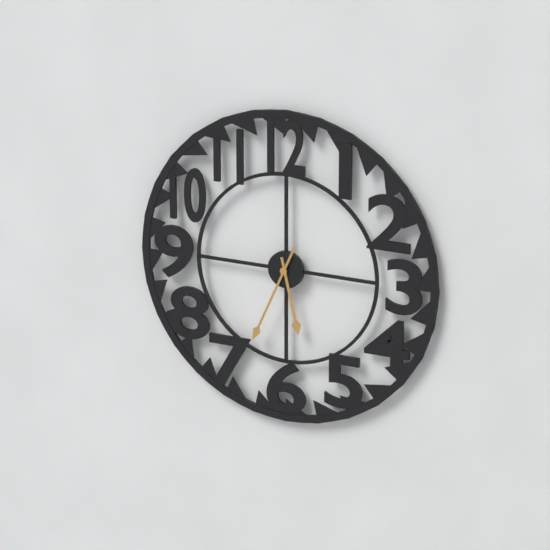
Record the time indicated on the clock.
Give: 5:34
